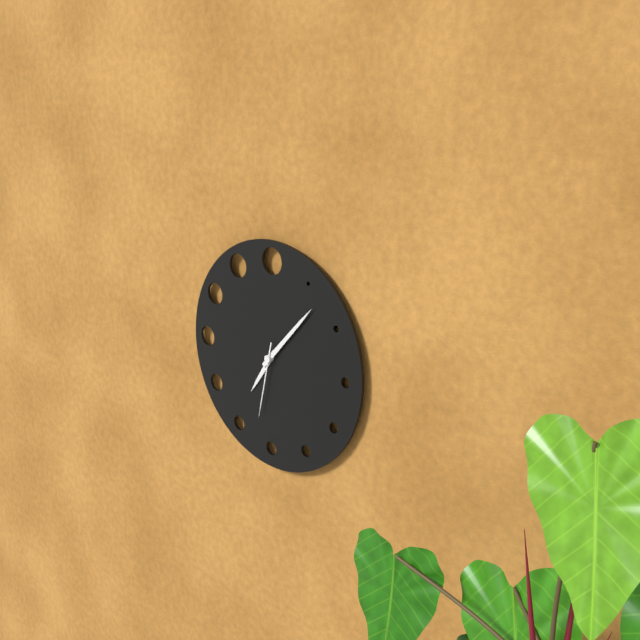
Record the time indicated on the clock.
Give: 7:07:32
